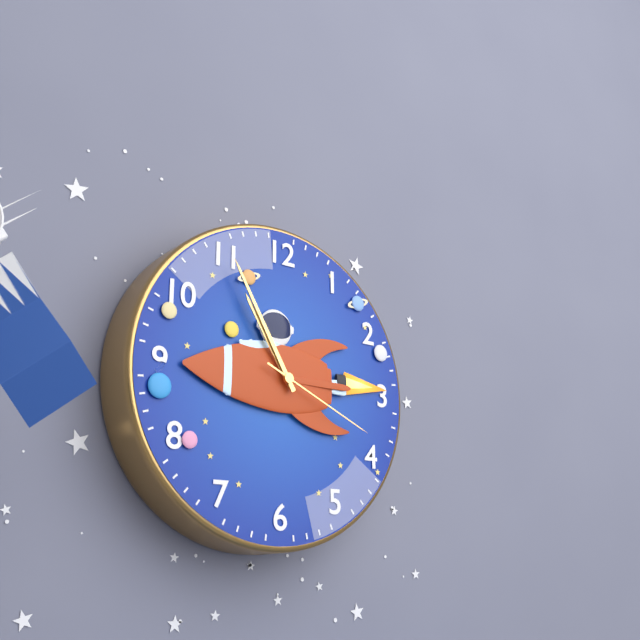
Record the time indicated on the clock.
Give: 10:55:19
